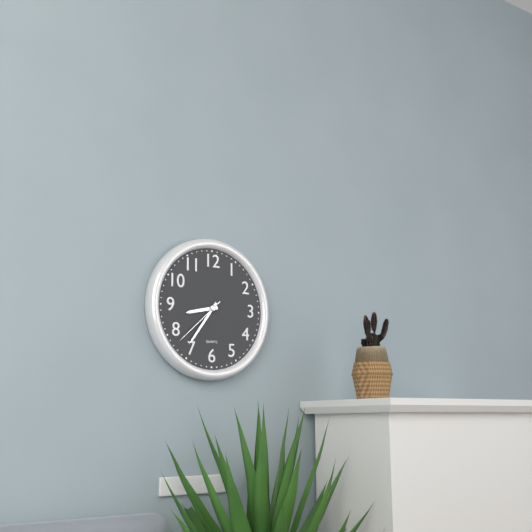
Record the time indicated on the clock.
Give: 8:36:38
